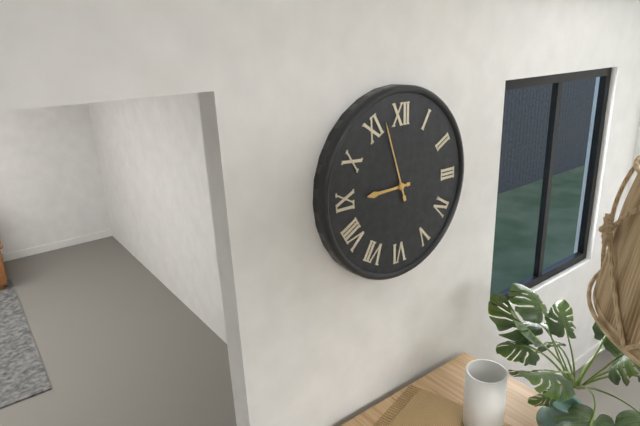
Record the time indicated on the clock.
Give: 8:57
